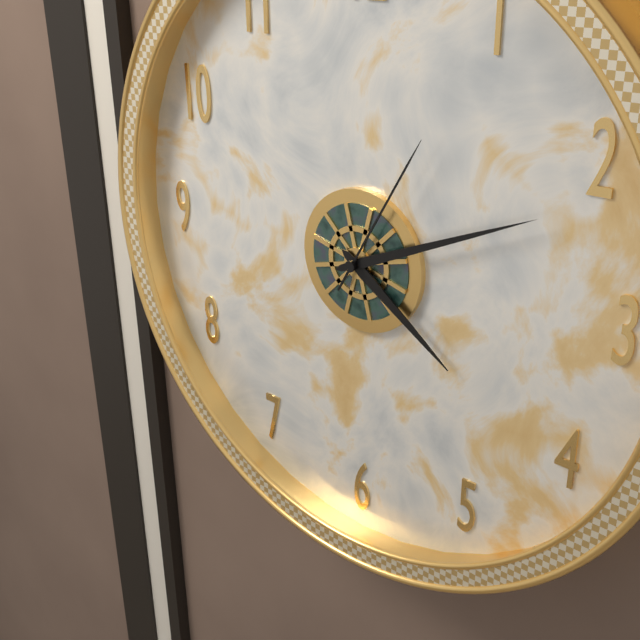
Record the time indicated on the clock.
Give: 4:11:05
